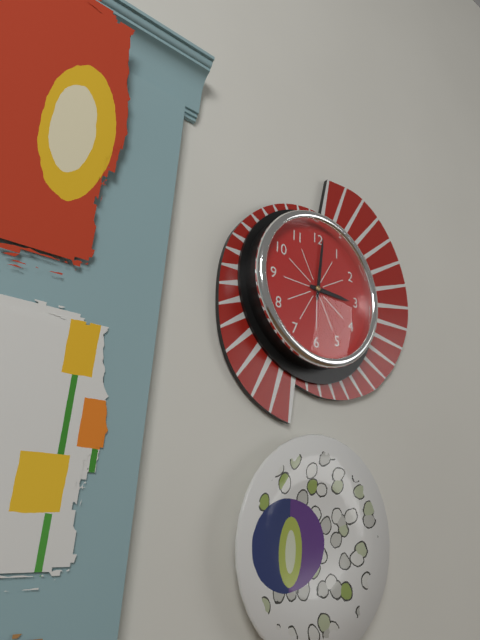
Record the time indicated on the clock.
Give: 3:01
